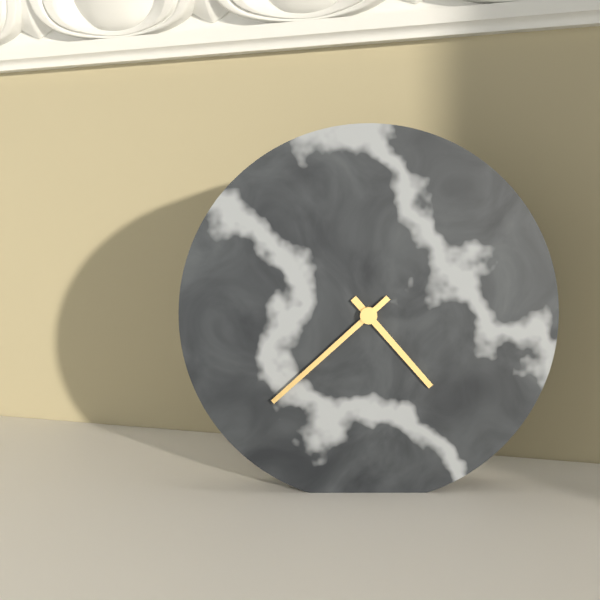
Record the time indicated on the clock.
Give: 4:38
